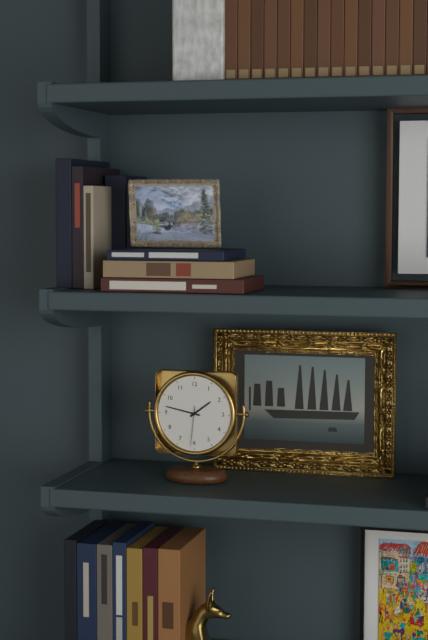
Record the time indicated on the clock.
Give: 1:47
